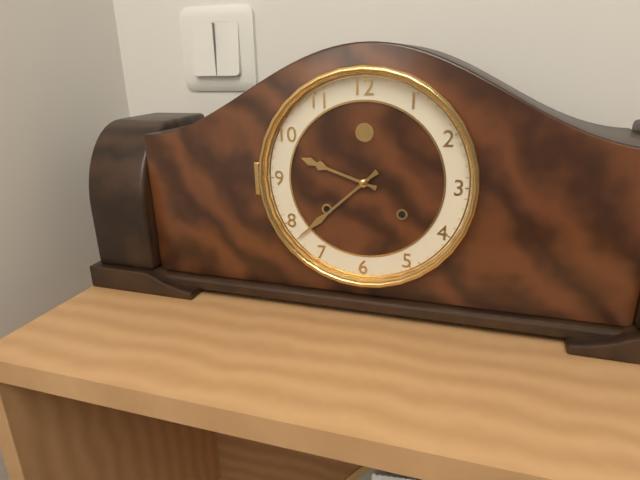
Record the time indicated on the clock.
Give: 9:38
